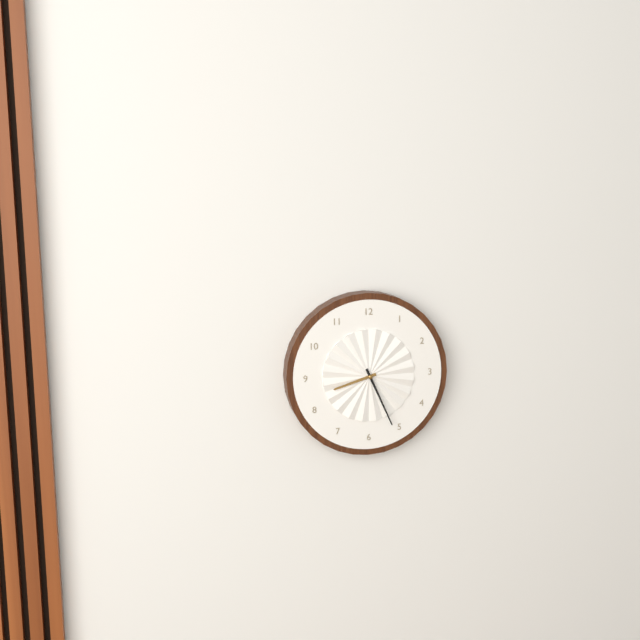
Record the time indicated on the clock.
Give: 8:26
